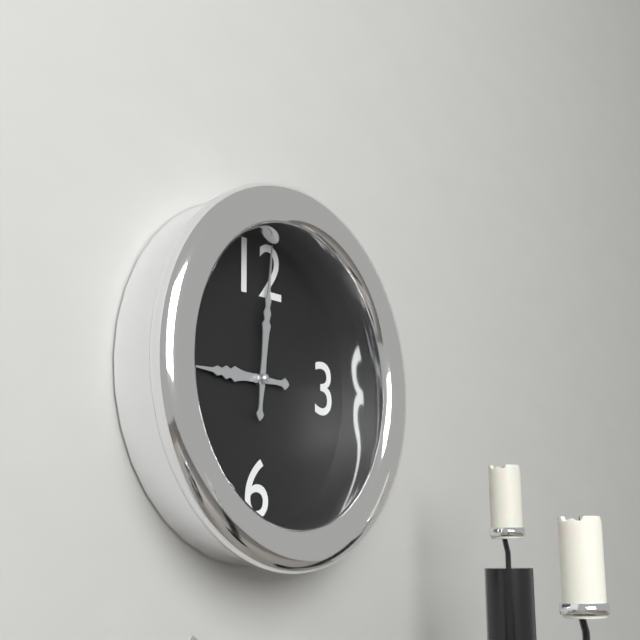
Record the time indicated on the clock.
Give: 9:01
